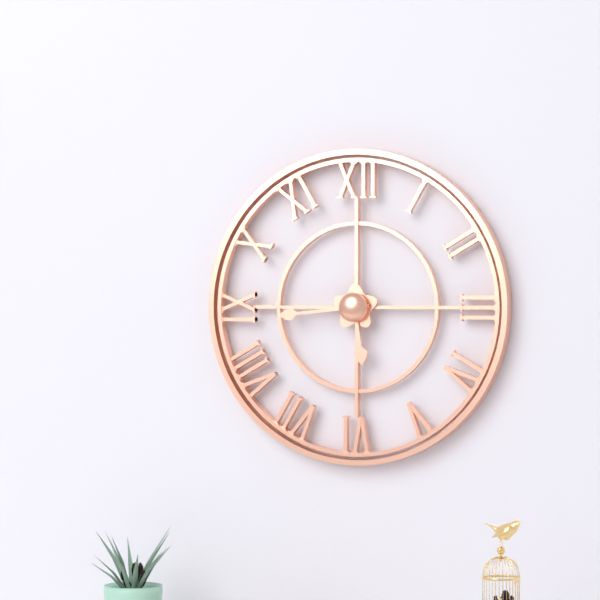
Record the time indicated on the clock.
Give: 5:44
